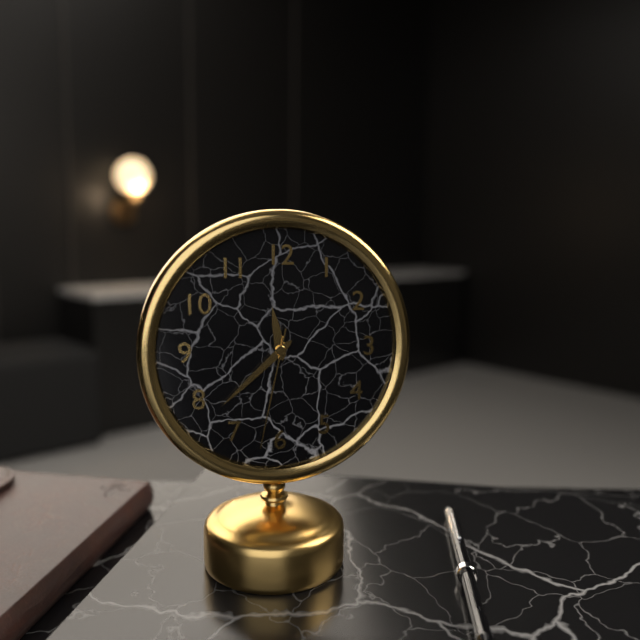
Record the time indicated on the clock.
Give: 11:38:32
